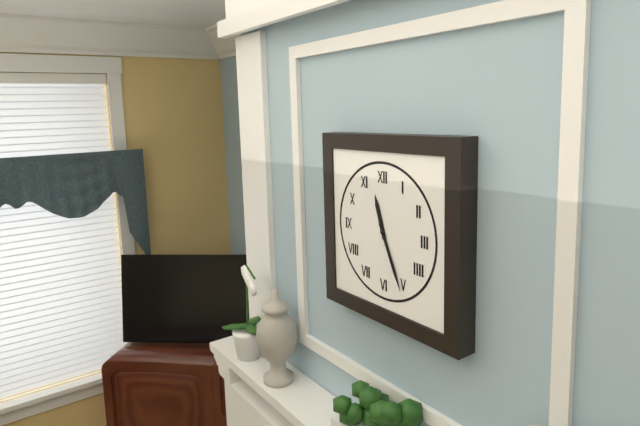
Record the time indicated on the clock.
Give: 11:26
